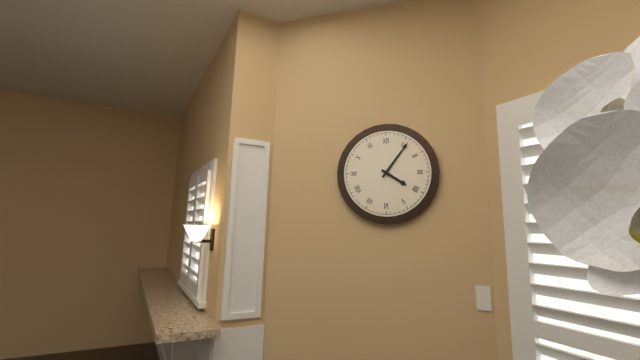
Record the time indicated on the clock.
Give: 4:06
